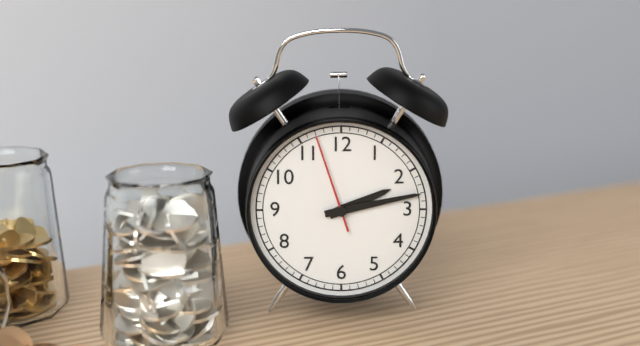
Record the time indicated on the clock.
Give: 2:13:57
